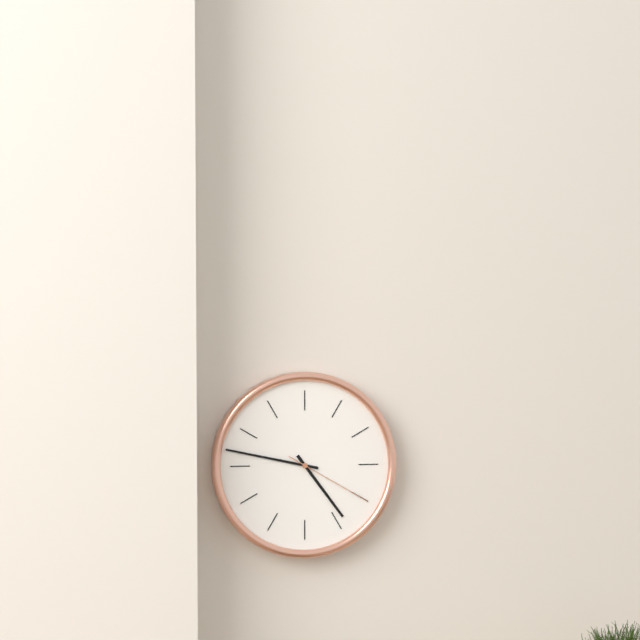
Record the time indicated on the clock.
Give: 4:47:20
